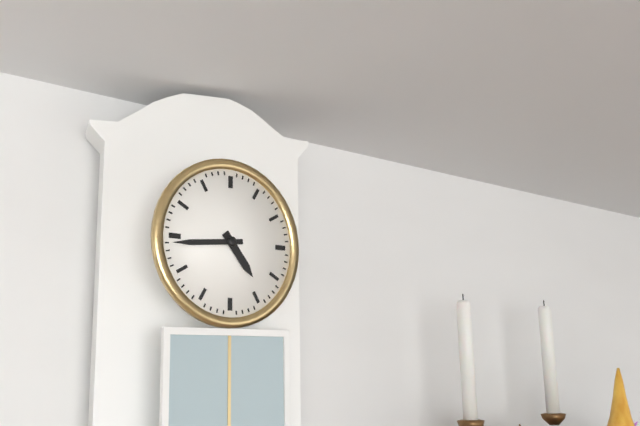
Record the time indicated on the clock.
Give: 4:44
